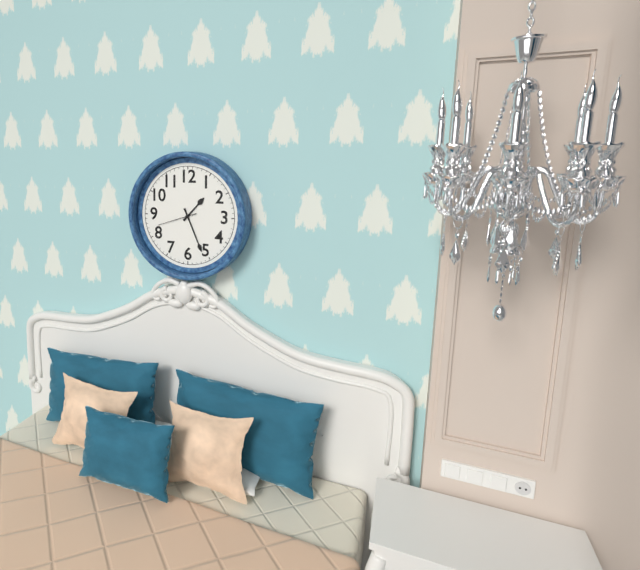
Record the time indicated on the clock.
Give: 1:26
